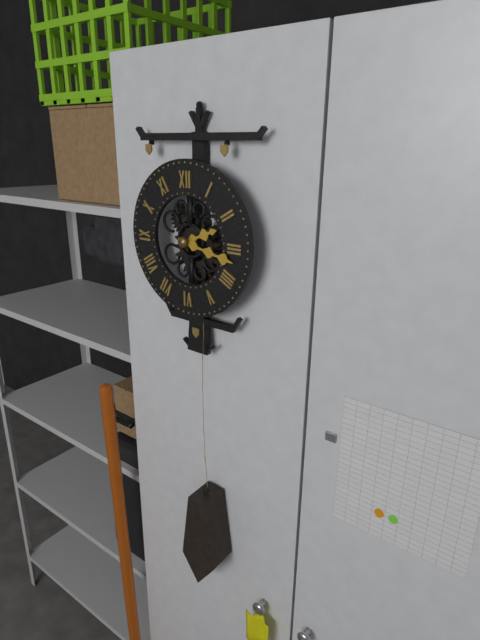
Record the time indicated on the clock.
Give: 2:17
